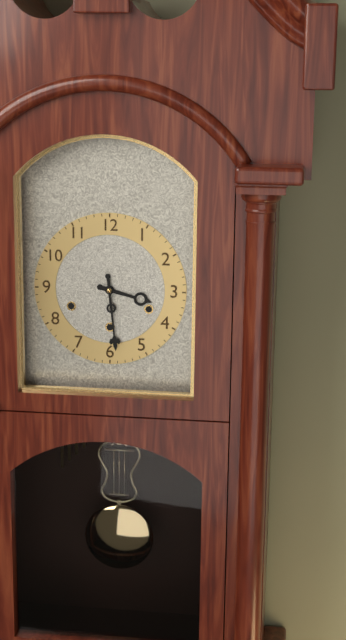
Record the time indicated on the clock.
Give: 3:29
